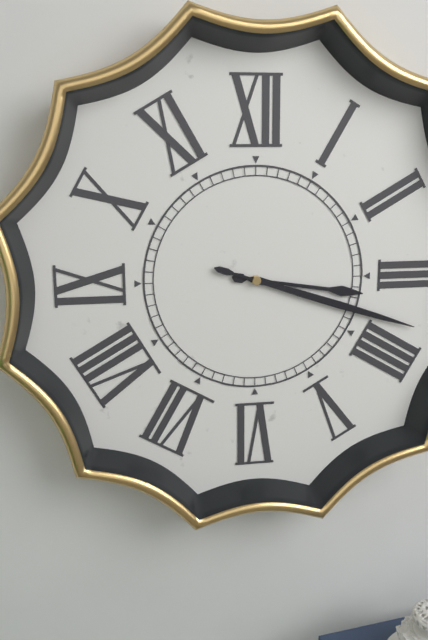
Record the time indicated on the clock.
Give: 3:18
